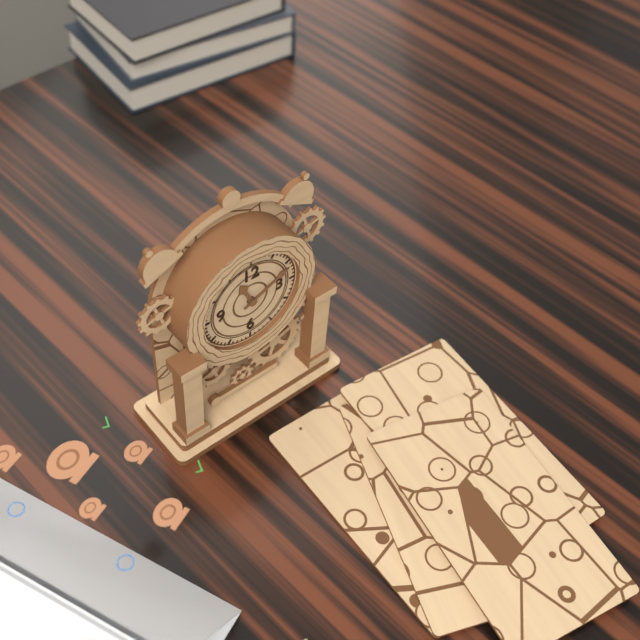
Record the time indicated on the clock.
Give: 11:11
